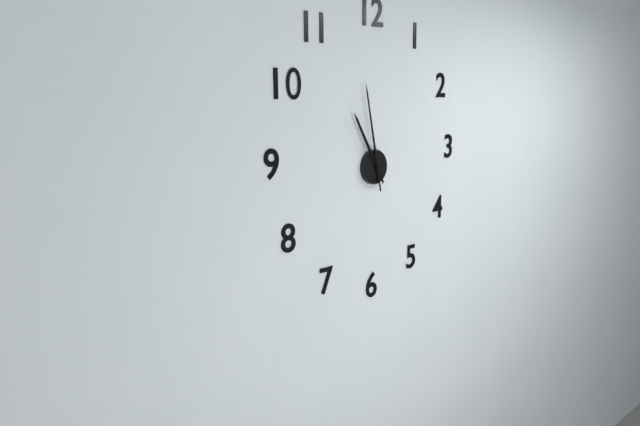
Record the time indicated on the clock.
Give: 10:58
